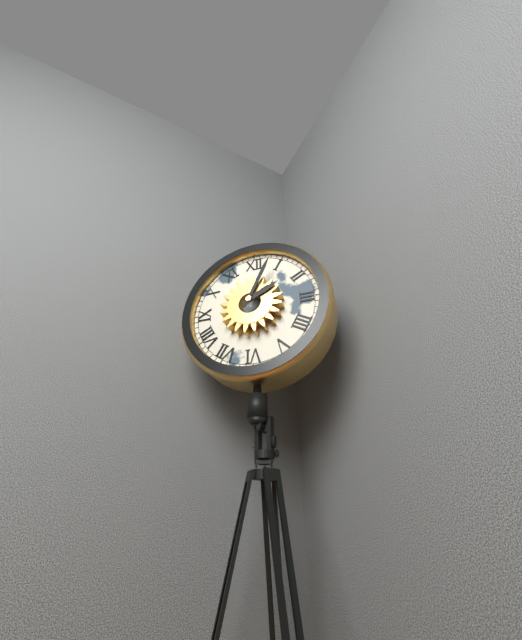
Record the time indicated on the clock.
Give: 2:04
